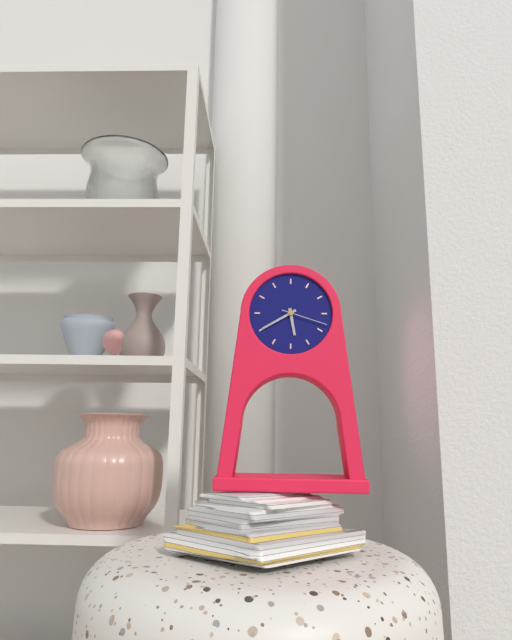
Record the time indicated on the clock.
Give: 5:40
